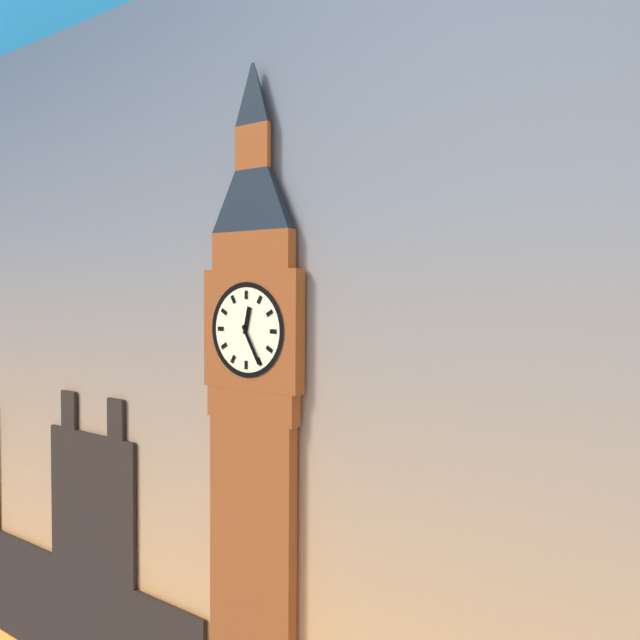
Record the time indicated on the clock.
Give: 12:25
